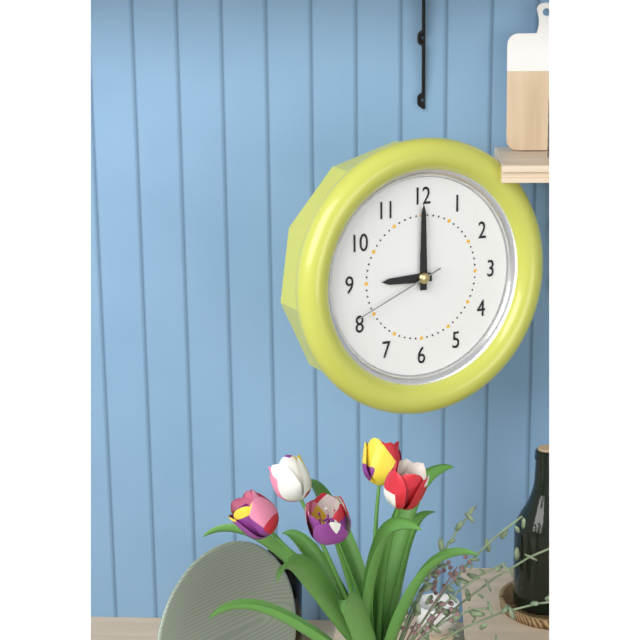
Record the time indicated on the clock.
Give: 9:00:41
